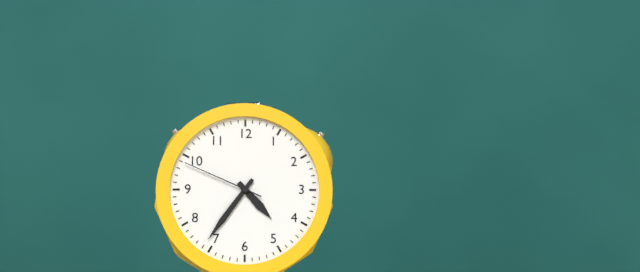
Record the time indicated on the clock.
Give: 4:36:49
